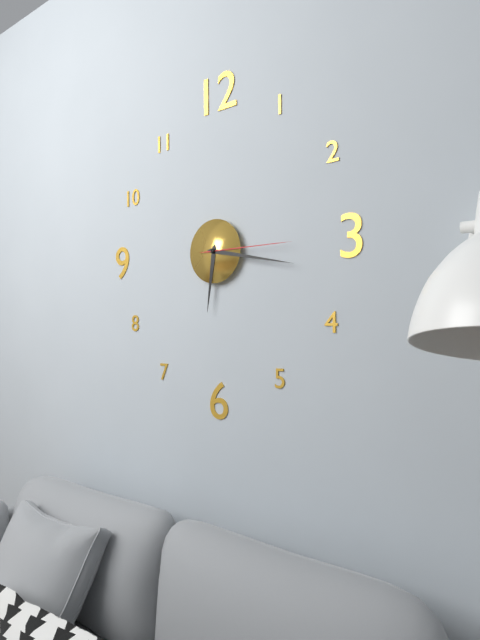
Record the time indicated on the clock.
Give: 6:17:15
